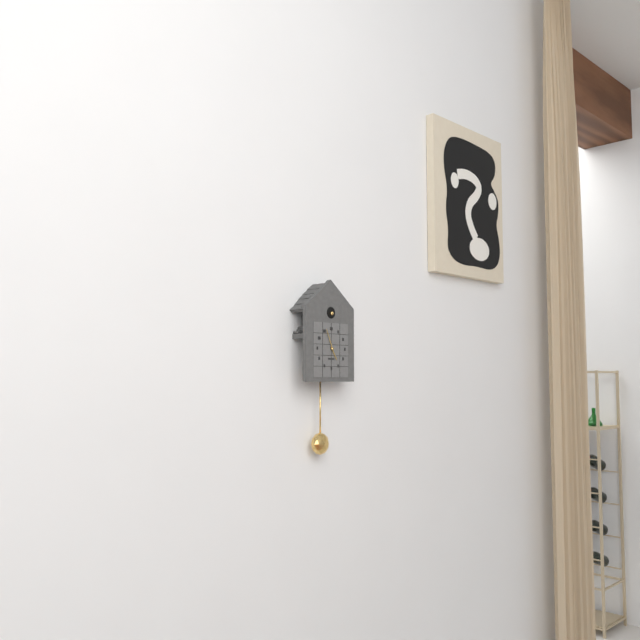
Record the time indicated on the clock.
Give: 4:56
